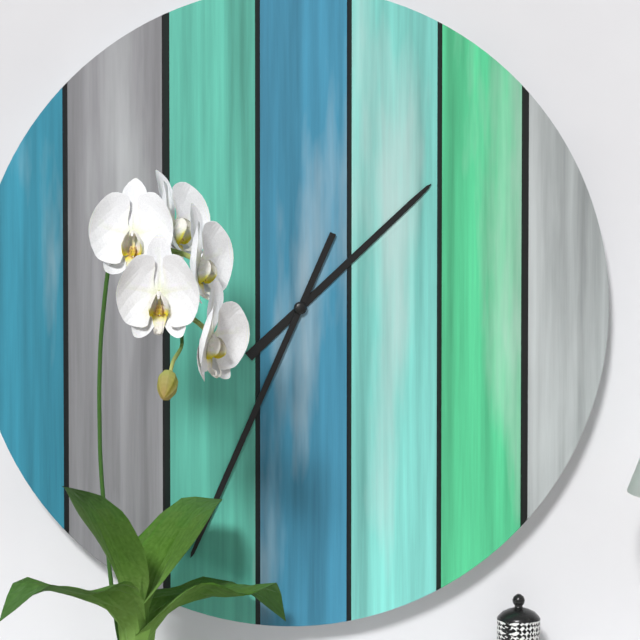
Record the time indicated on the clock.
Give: 1:34
